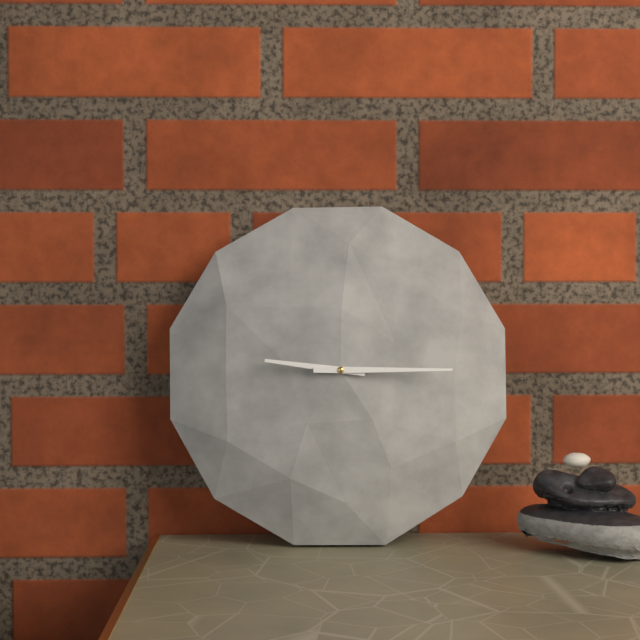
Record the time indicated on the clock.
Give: 9:15
